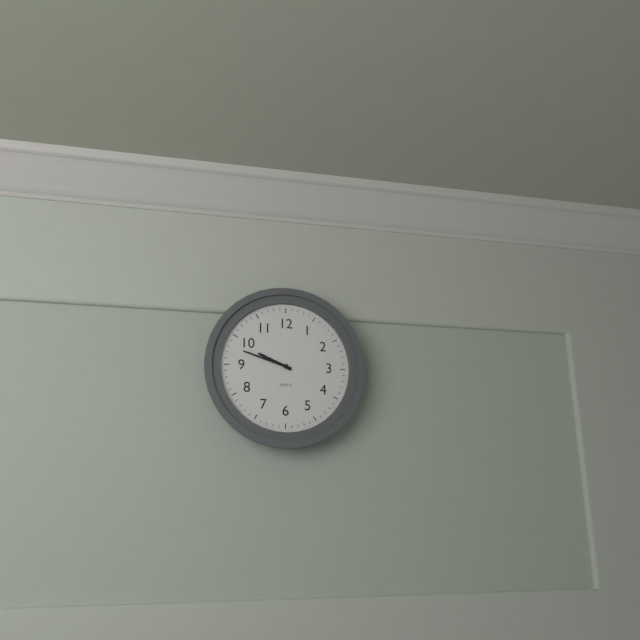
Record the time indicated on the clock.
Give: 9:48
